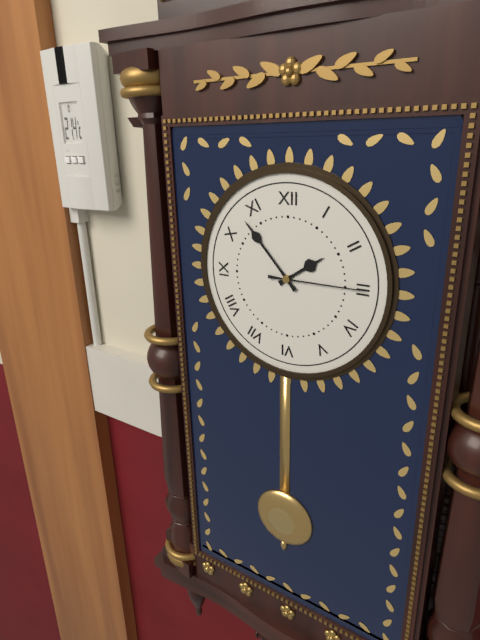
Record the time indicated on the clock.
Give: 1:53:15
